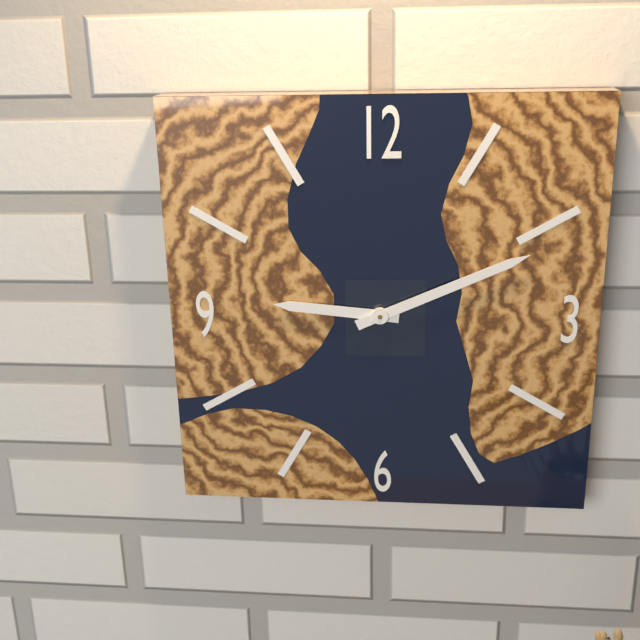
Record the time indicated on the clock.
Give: 9:11
